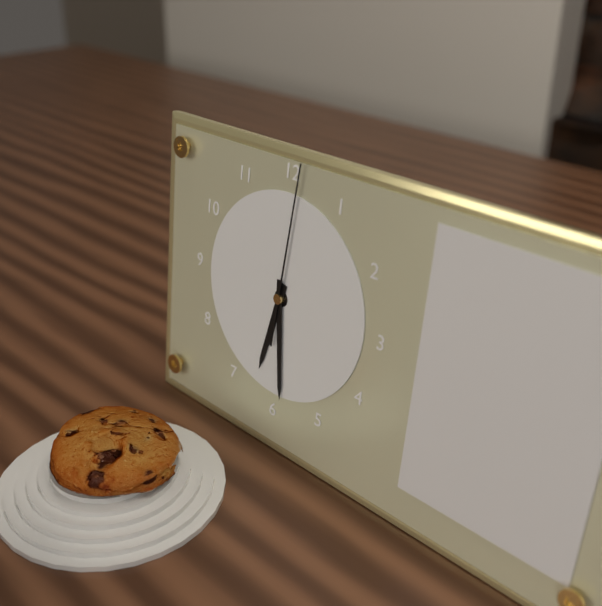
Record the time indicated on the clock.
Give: 6:29:01
